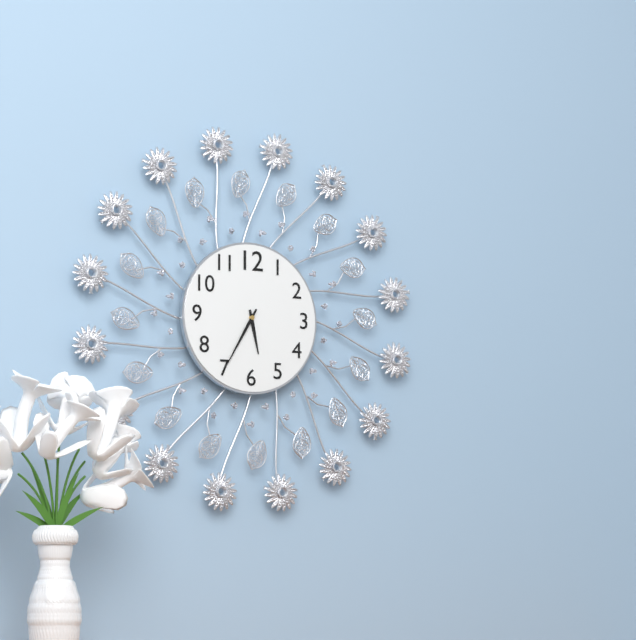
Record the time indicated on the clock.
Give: 5:35
